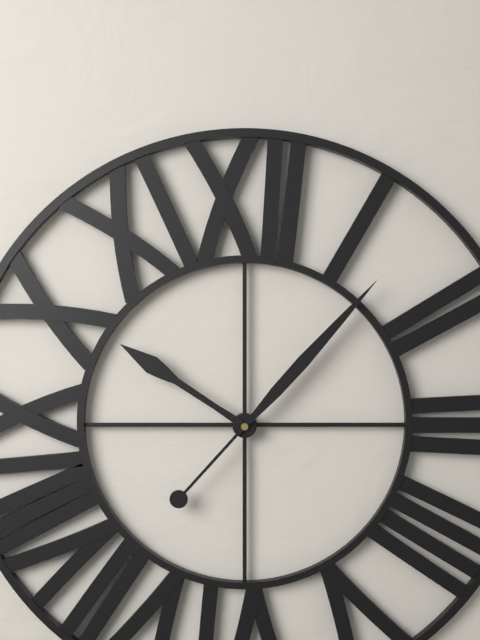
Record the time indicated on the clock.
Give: 10:07
